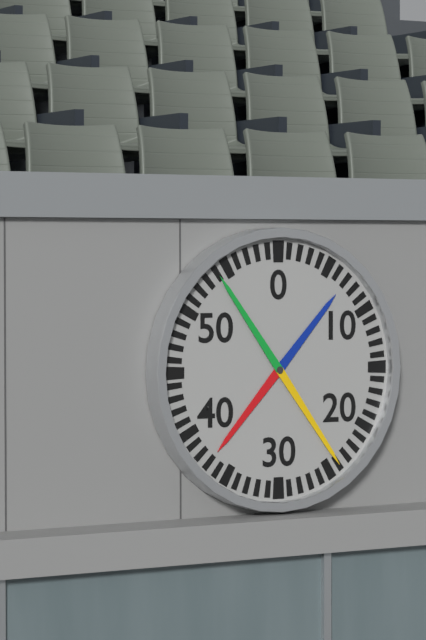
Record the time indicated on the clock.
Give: 7:24
